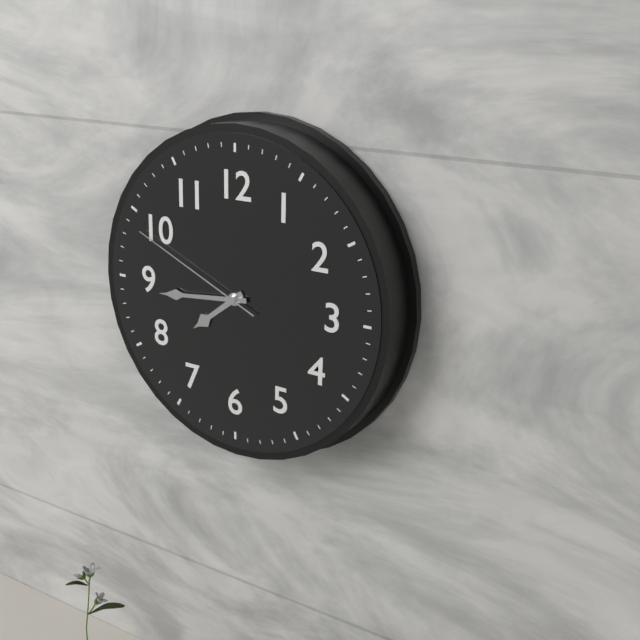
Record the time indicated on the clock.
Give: 7:44:49
